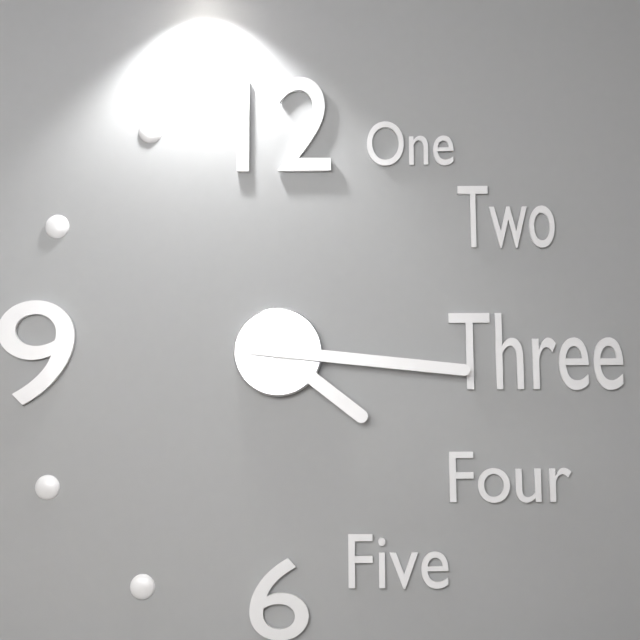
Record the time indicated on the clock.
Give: 4:16
